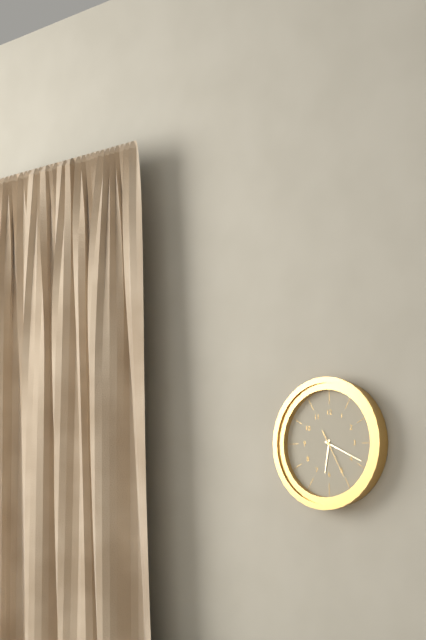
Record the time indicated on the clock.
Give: 6:19
